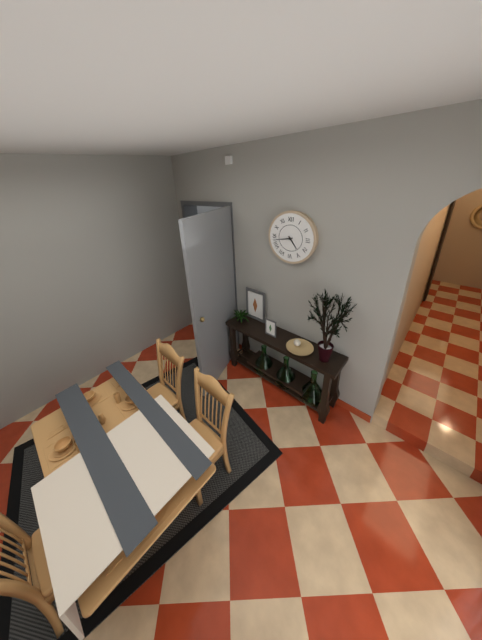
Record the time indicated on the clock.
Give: 4:43
